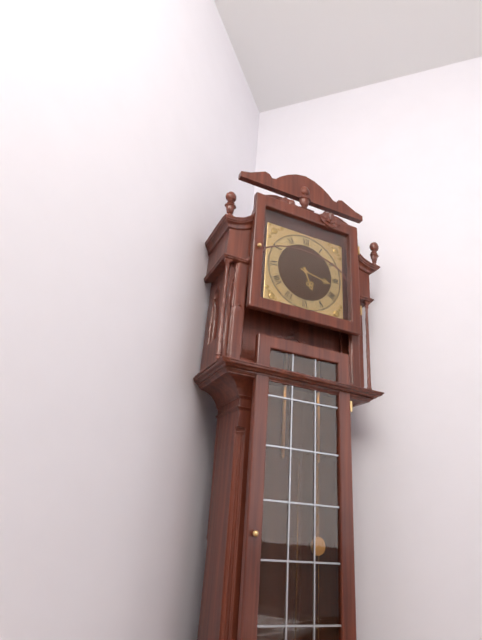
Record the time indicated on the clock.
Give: 5:17
